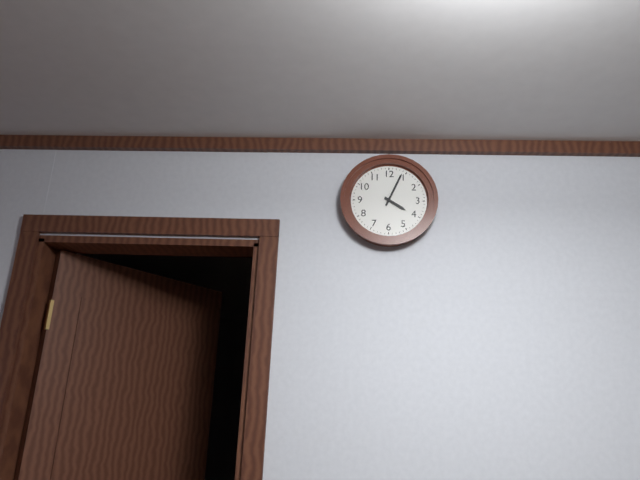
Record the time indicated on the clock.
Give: 4:04
